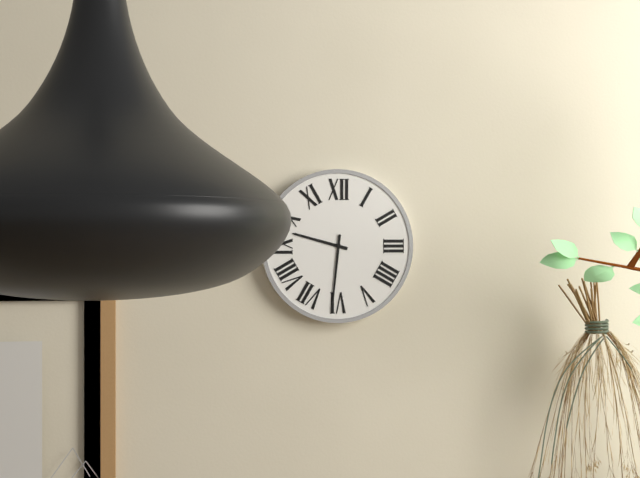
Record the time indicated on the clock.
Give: 9:31
